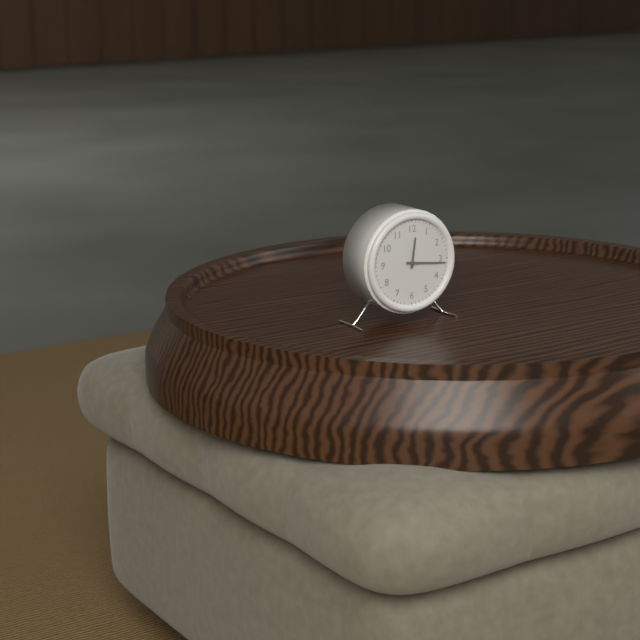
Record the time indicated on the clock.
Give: 12:16
